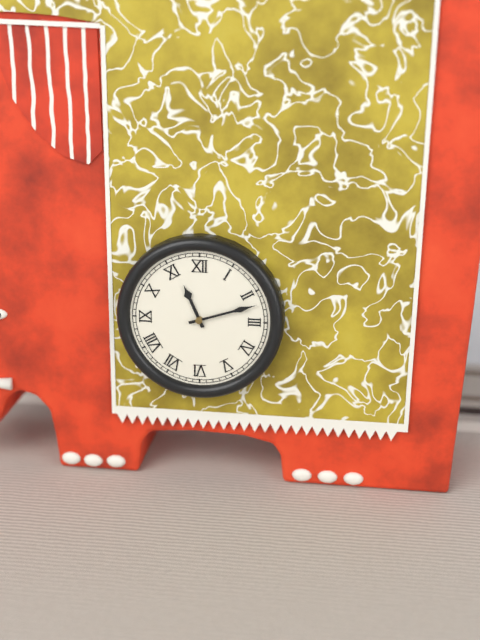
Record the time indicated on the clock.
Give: 11:12
